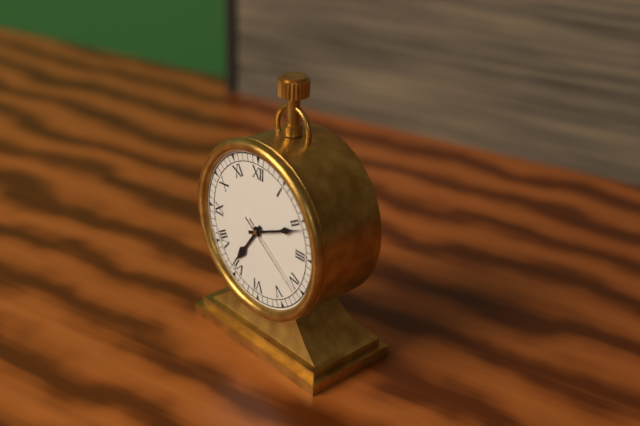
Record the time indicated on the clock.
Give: 7:11:21
